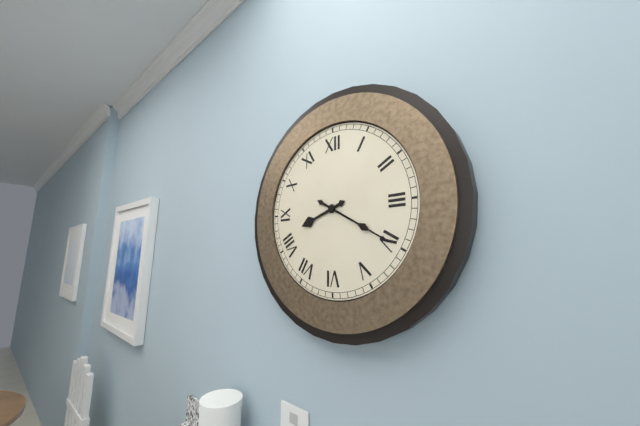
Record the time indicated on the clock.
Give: 8:20
